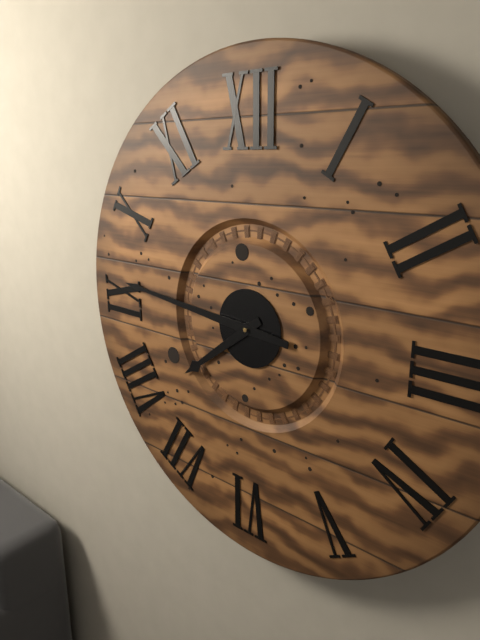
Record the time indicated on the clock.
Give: 7:46
